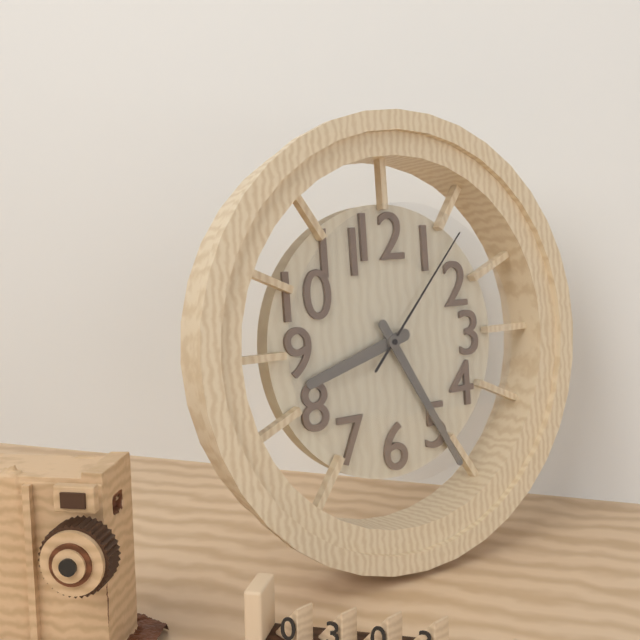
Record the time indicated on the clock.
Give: 8:25:07
